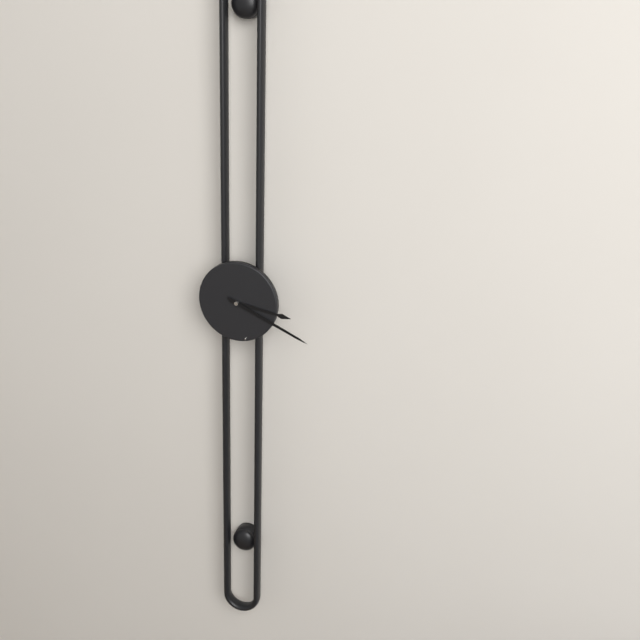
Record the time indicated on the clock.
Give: 3:19
